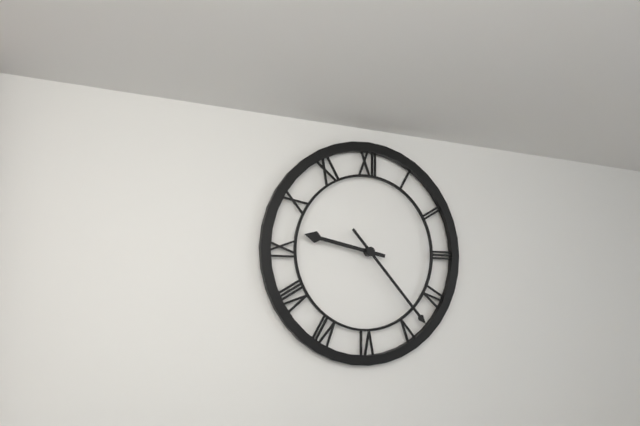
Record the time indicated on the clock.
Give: 9:23
